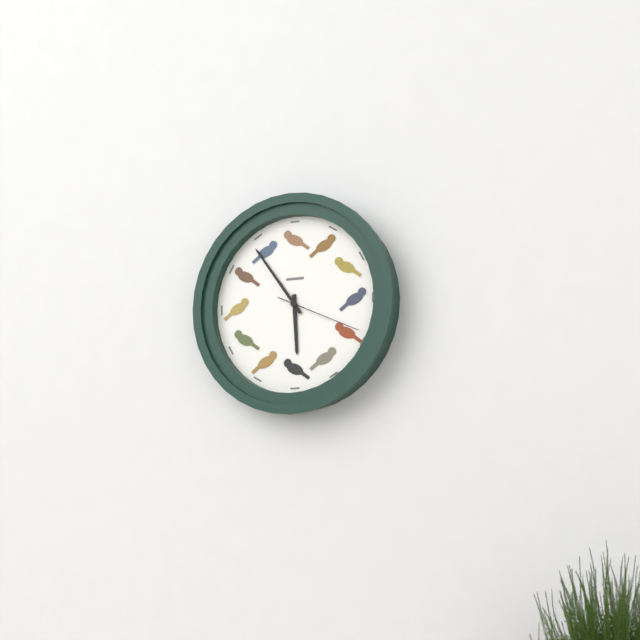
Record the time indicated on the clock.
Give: 5:54:19
